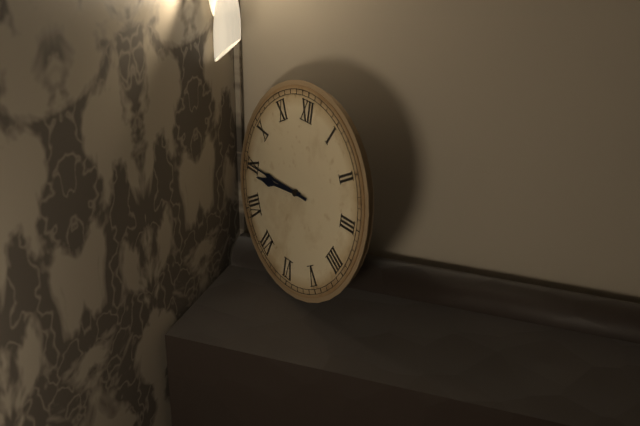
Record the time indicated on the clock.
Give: 8:45
